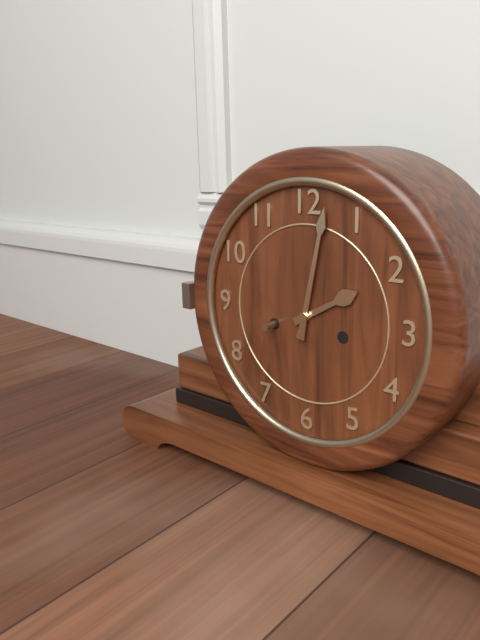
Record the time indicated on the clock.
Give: 2:02
